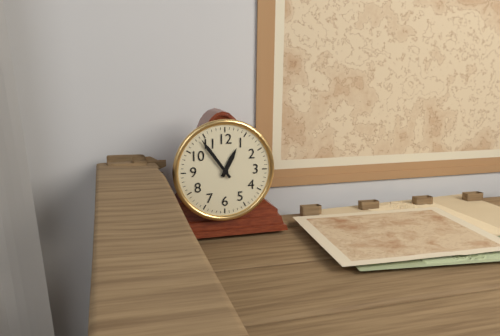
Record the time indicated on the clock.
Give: 12:54
